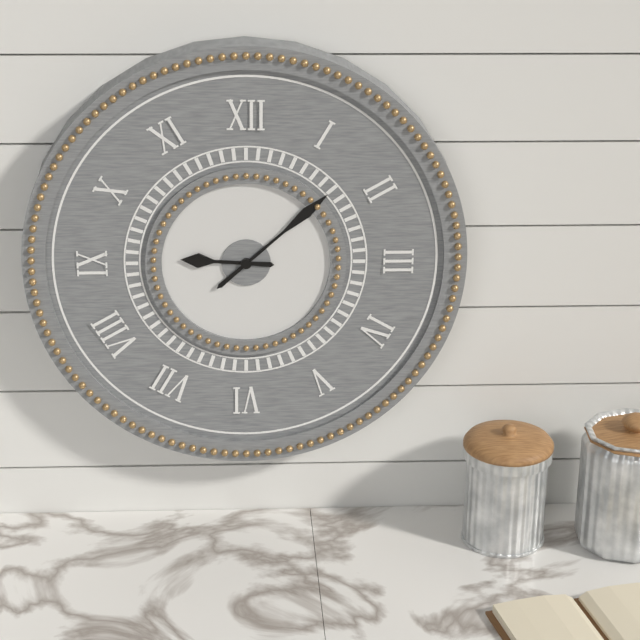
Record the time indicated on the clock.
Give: 9:08
